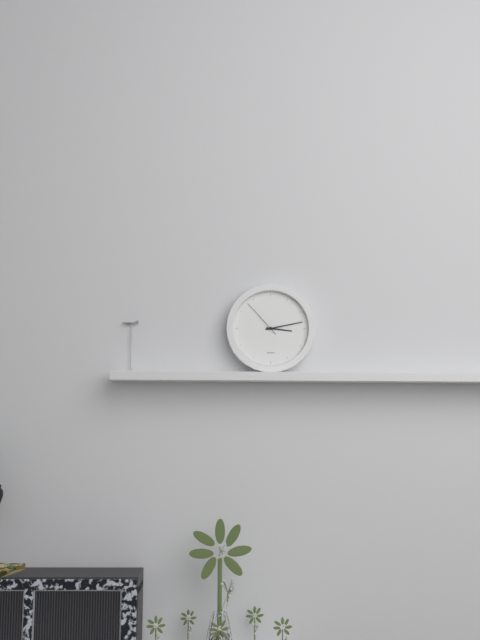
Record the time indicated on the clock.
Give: 3:13
